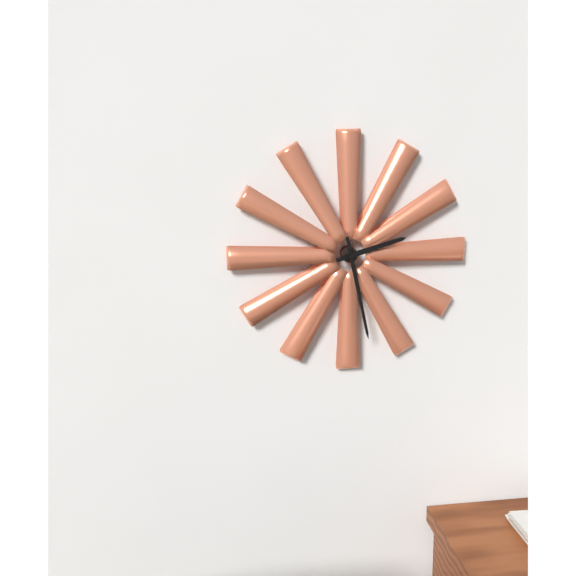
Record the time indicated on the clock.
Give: 2:28
